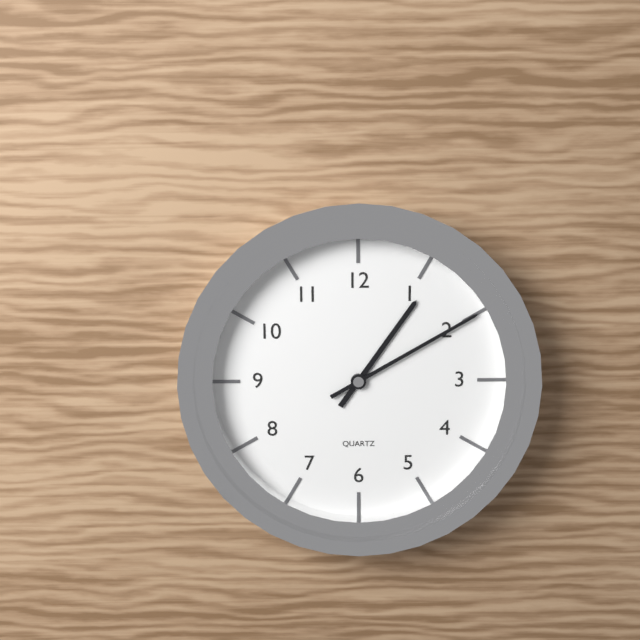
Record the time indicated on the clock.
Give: 1:10
